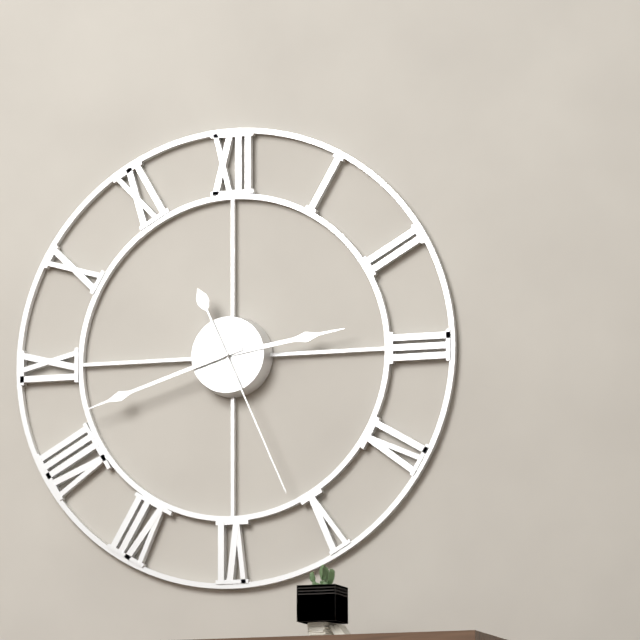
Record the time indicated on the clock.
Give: 2:42:26
